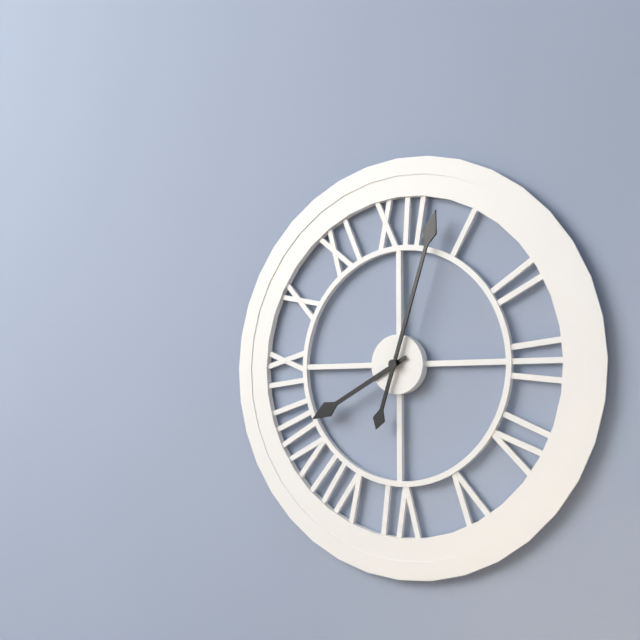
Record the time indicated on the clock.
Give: 8:03
